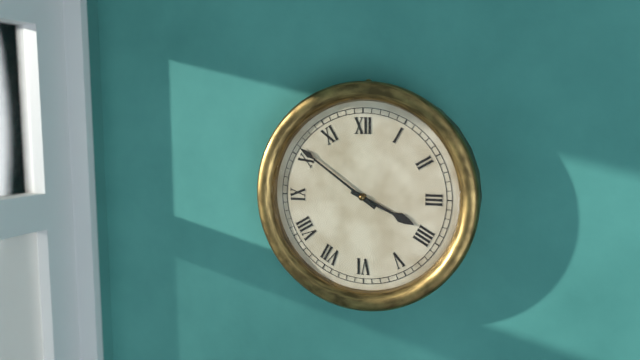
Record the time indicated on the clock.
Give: 3:51
